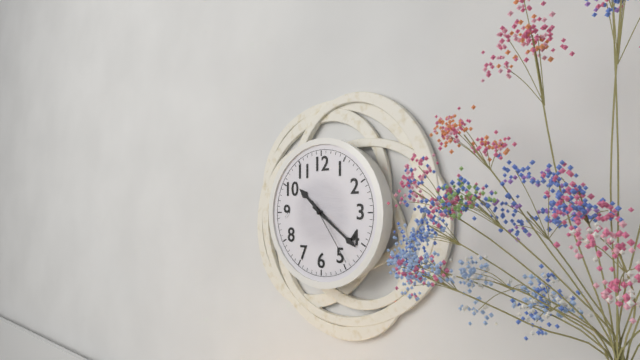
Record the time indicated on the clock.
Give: 10:21:24
